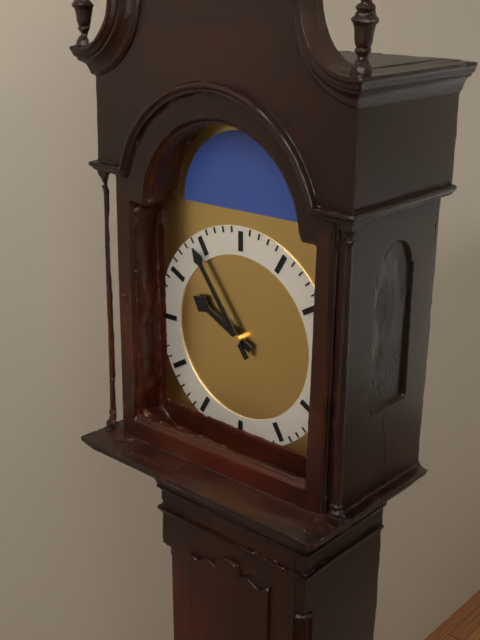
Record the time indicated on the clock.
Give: 9:54
